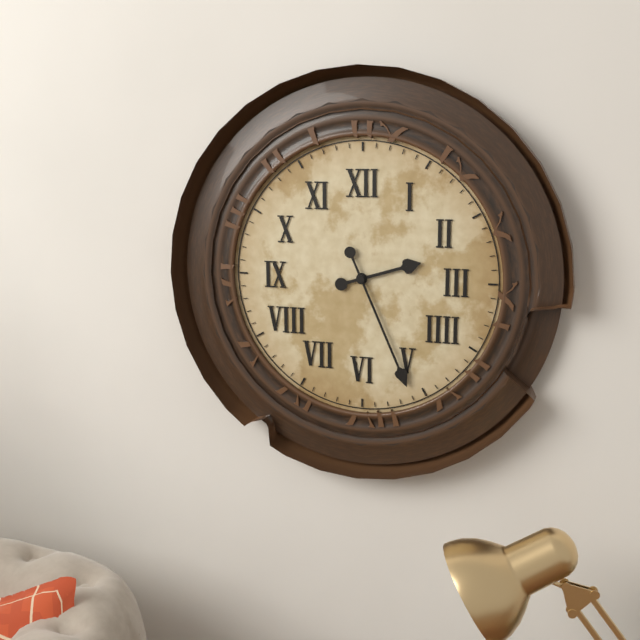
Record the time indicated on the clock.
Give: 2:26
